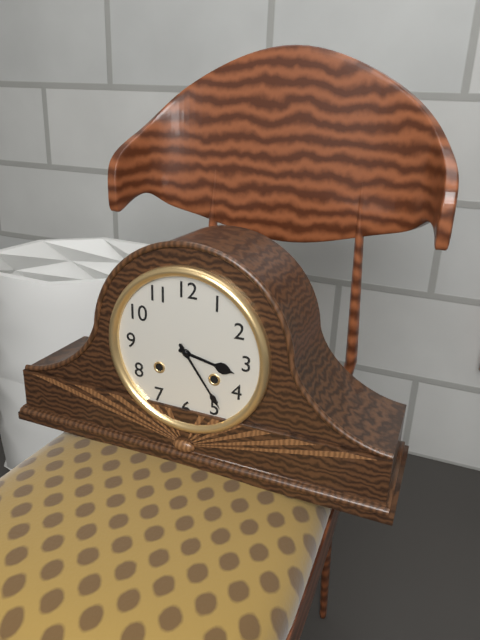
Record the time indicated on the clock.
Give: 3:24
